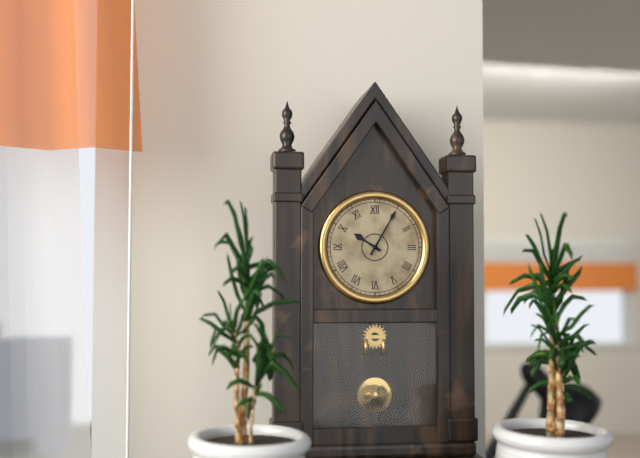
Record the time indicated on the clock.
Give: 10:05
